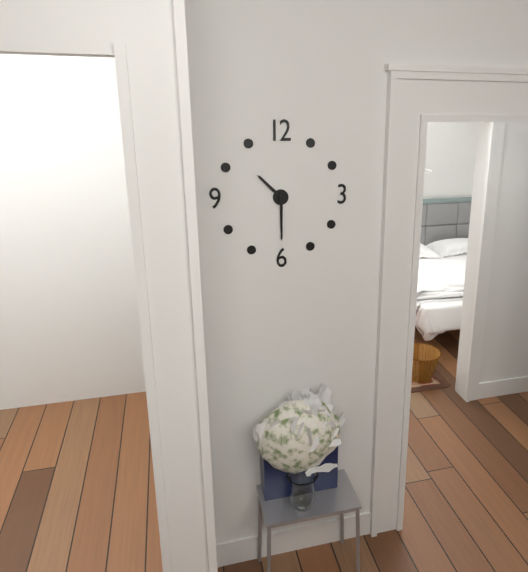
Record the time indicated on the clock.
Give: 10:30
